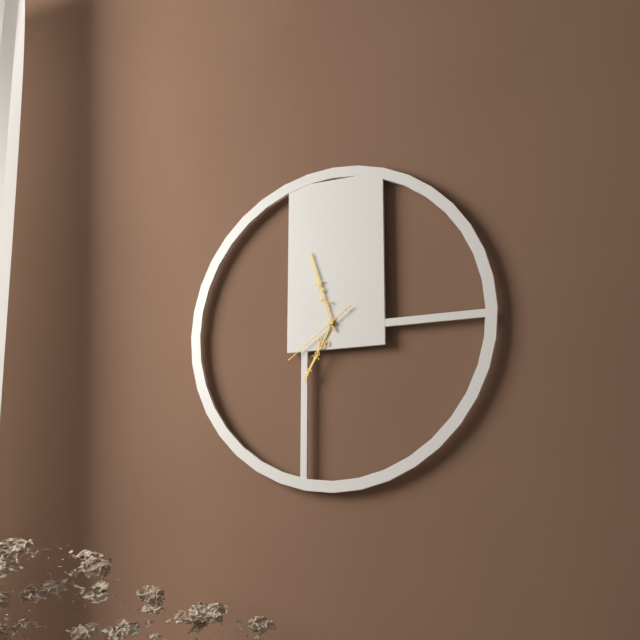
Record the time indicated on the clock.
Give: 6:57:39
